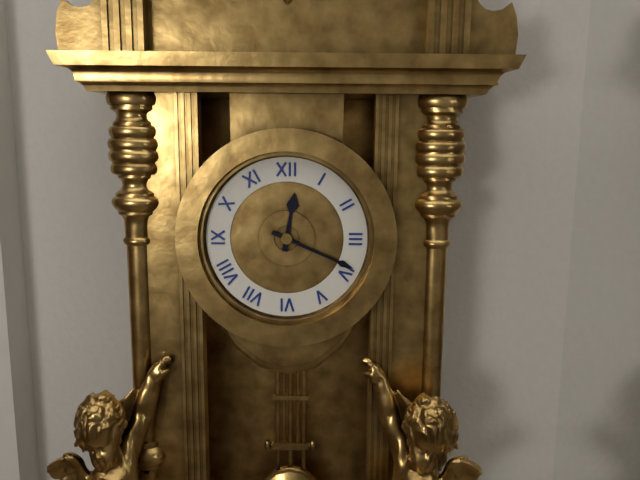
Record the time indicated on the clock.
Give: 12:19
